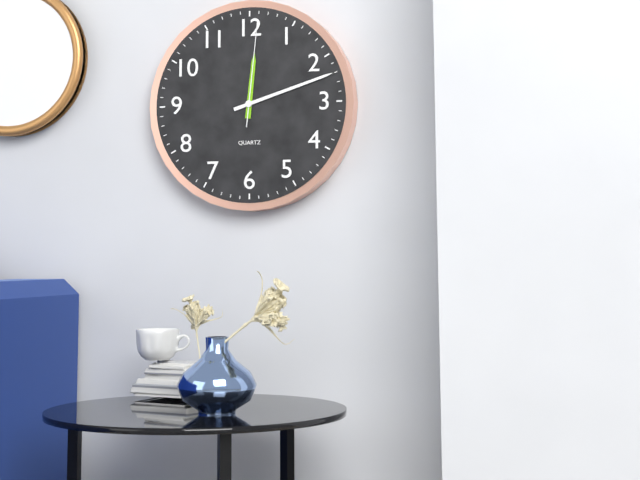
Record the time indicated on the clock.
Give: 12:12:01
